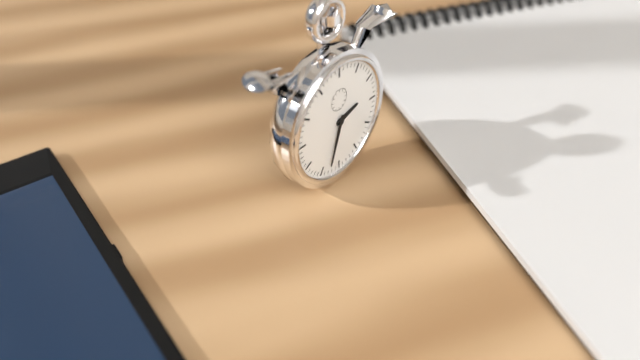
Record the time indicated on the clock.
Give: 2:33
